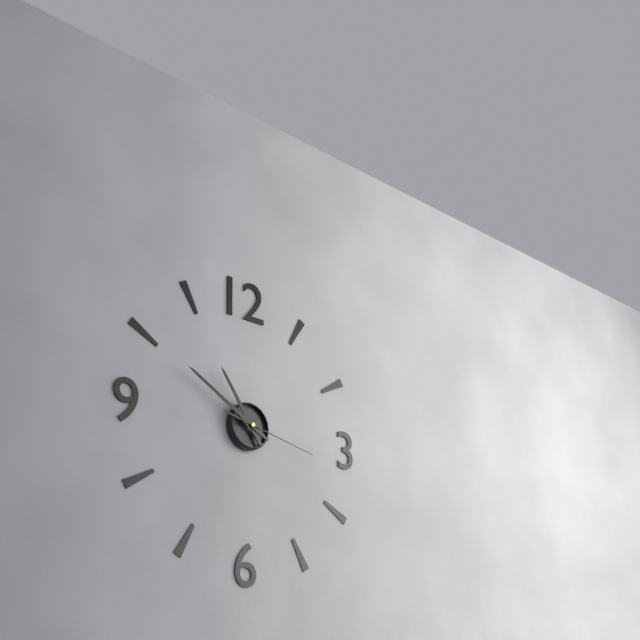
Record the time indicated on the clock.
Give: 10:50:17
